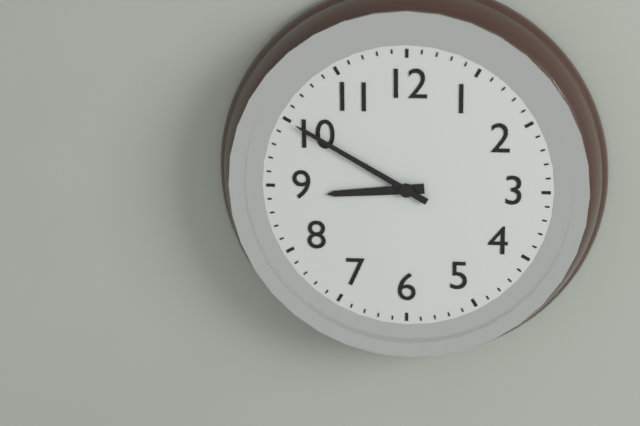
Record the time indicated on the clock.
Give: 8:50
